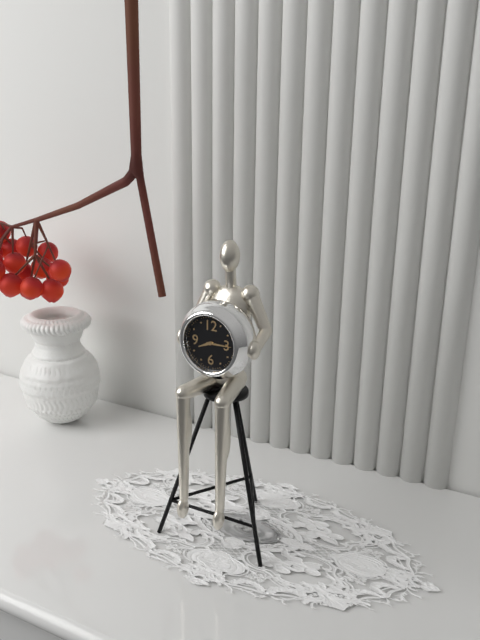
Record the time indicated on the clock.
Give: 8:15
